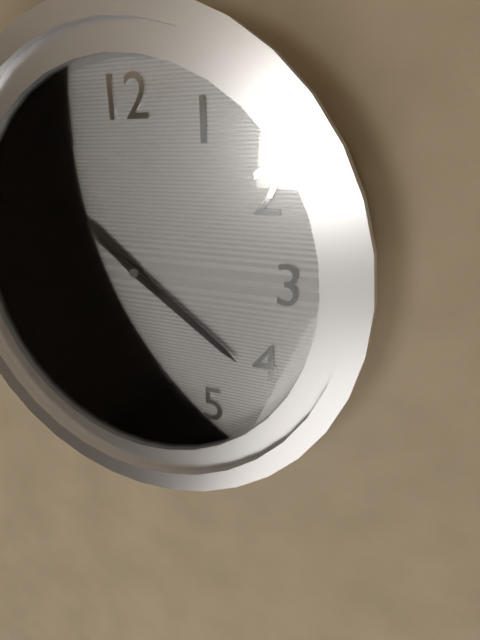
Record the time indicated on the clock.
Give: 10:21:51
